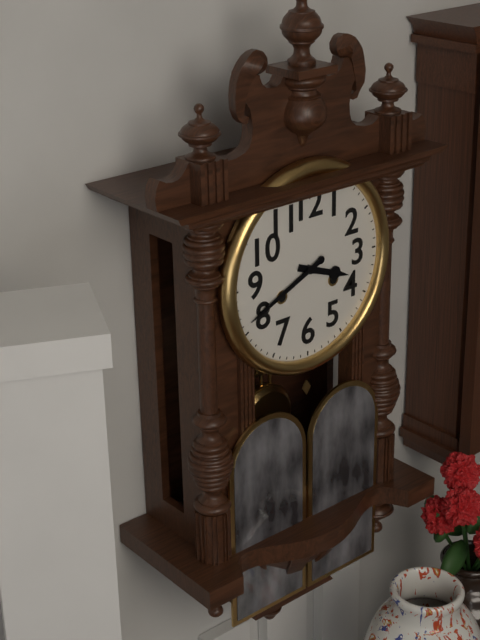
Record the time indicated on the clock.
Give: 3:41
